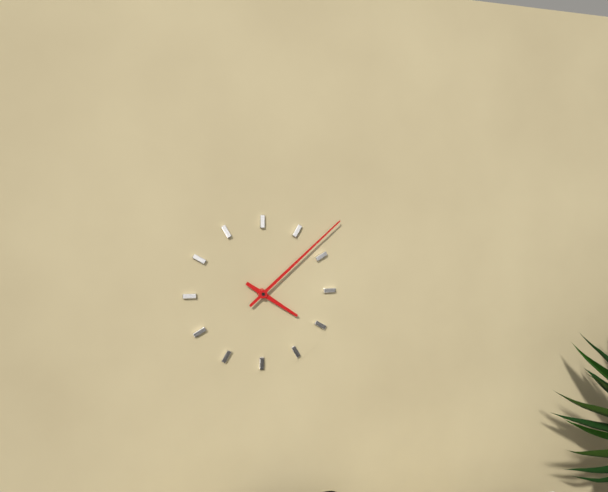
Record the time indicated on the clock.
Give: 4:08
